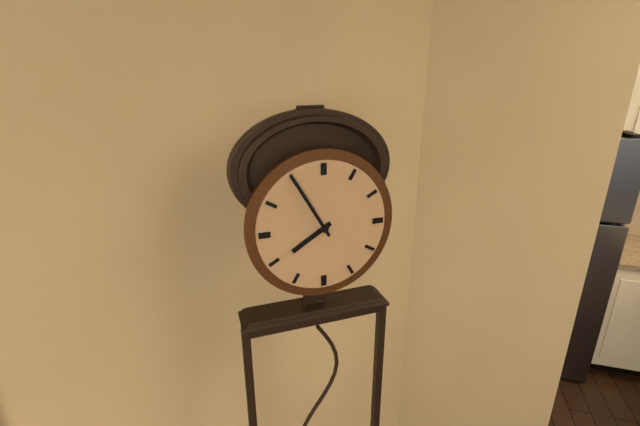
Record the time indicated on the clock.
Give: 7:55
